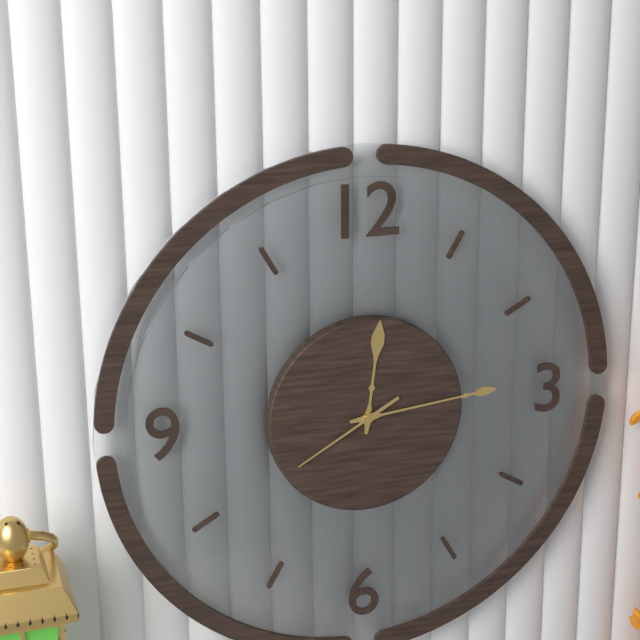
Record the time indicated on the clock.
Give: 12:14:40
